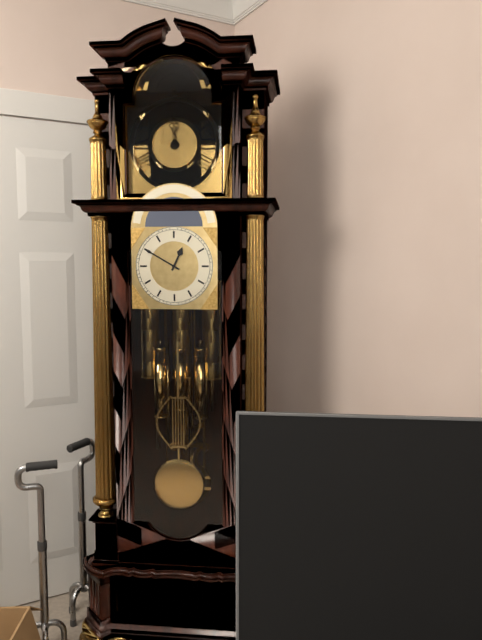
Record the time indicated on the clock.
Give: 12:50
